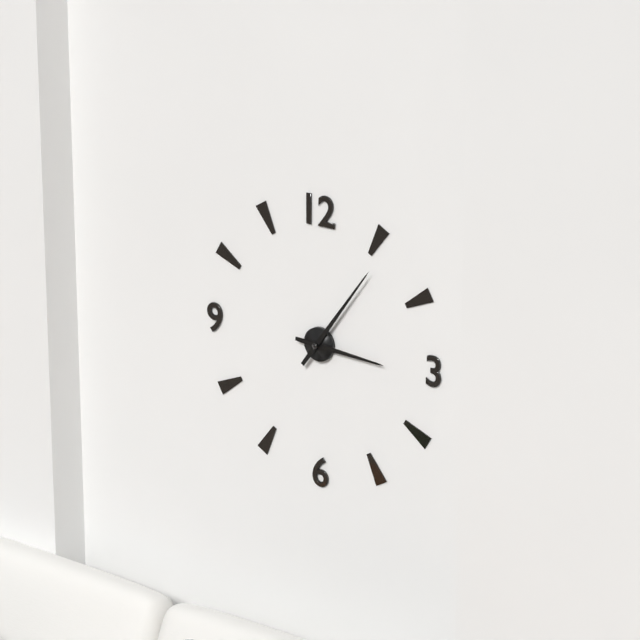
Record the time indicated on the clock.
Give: 3:06
